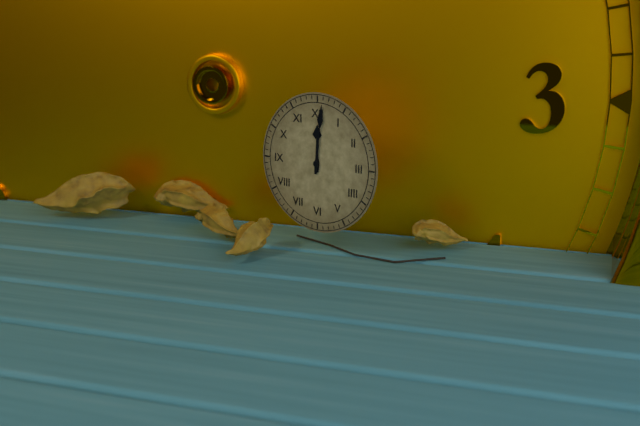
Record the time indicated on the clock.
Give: 12:01
